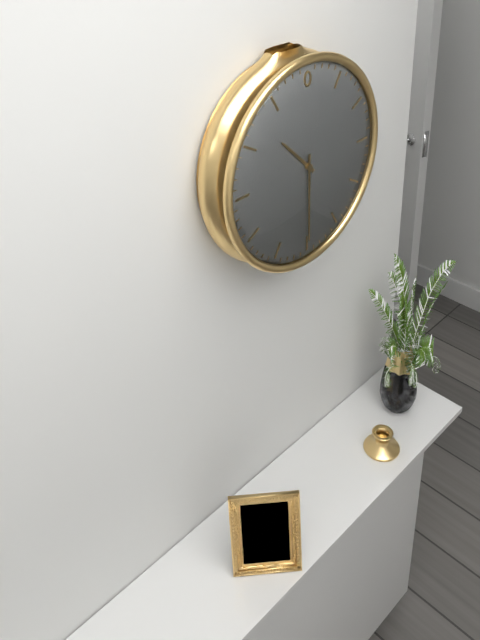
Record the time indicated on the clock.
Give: 10:30
